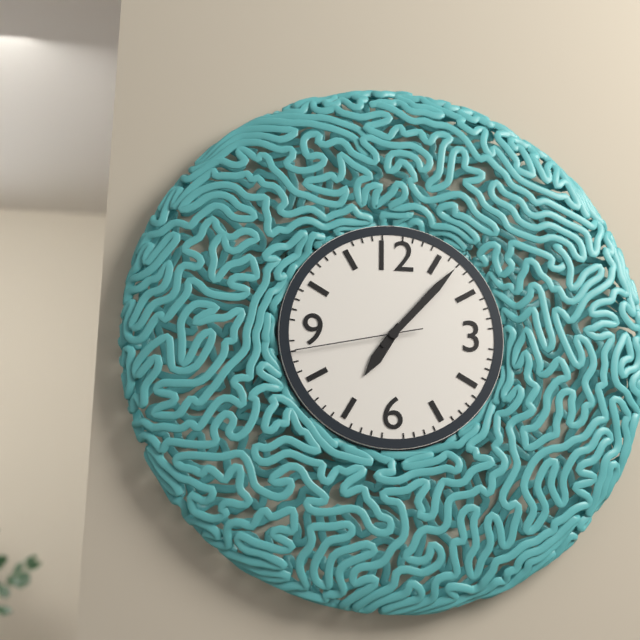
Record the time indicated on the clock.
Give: 7:07:43
